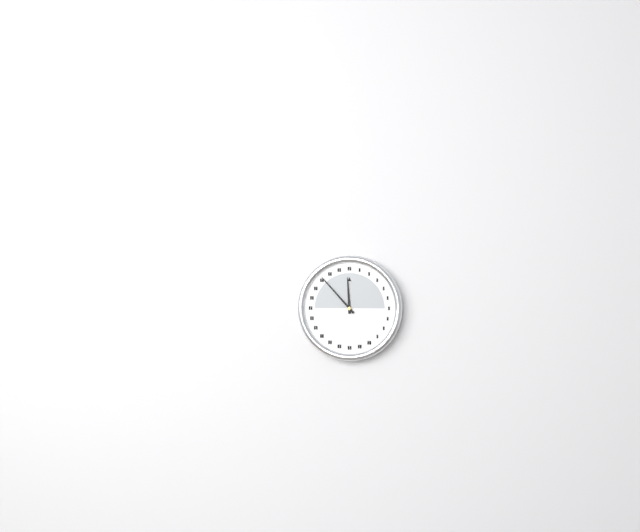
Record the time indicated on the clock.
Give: 11:53
